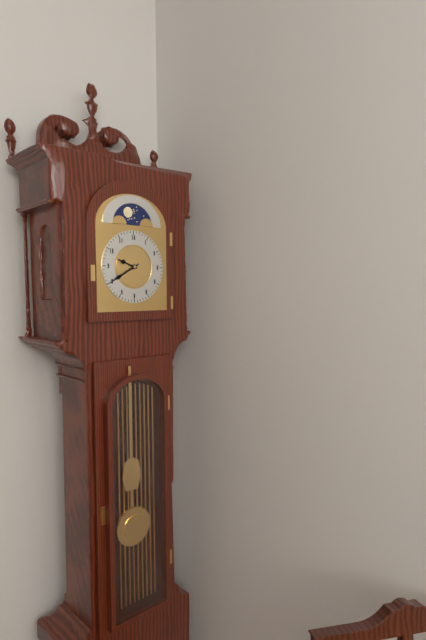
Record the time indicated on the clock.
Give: 9:40
